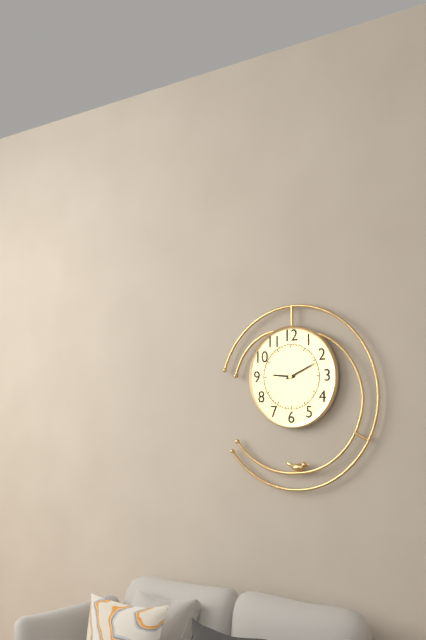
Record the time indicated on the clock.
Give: 9:11
